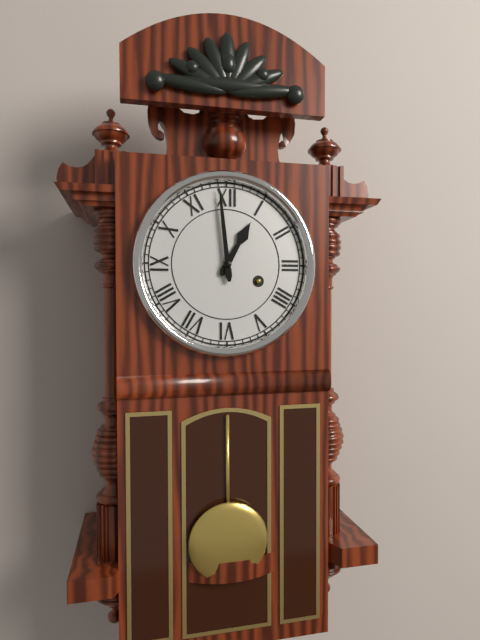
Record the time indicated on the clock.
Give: 12:59
